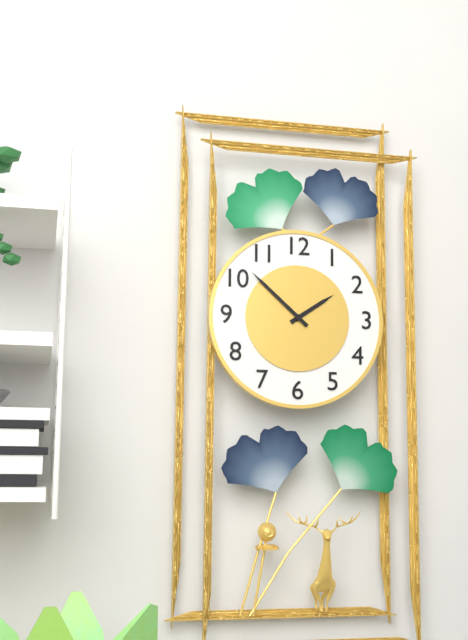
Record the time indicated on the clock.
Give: 1:52
